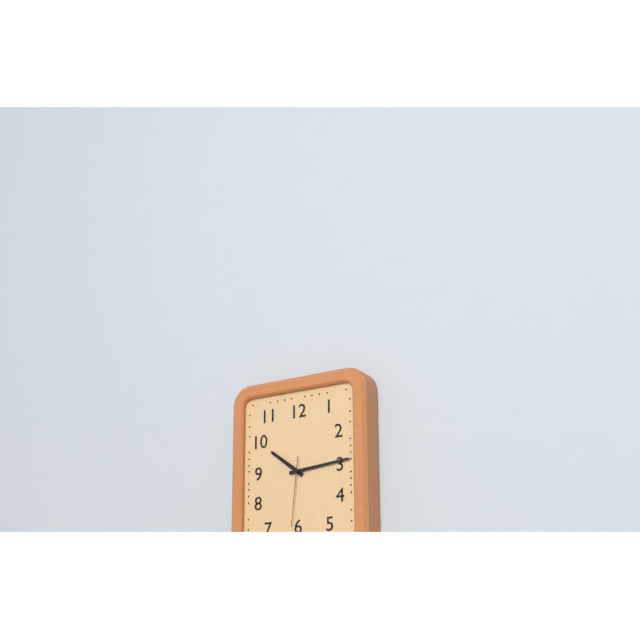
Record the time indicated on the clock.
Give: 10:14:31
